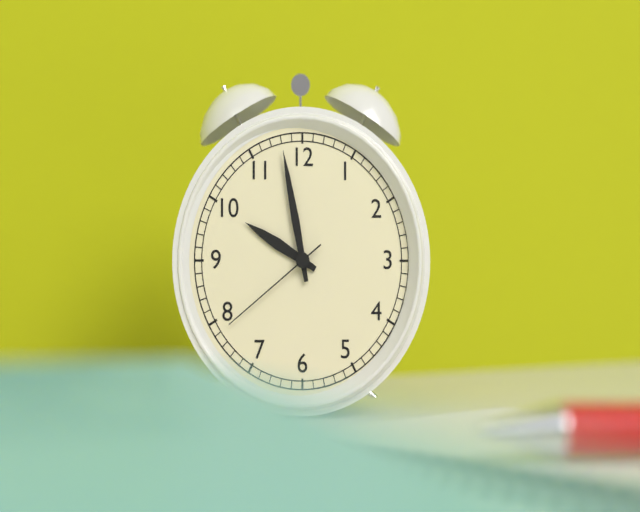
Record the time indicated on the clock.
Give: 9:58:39
